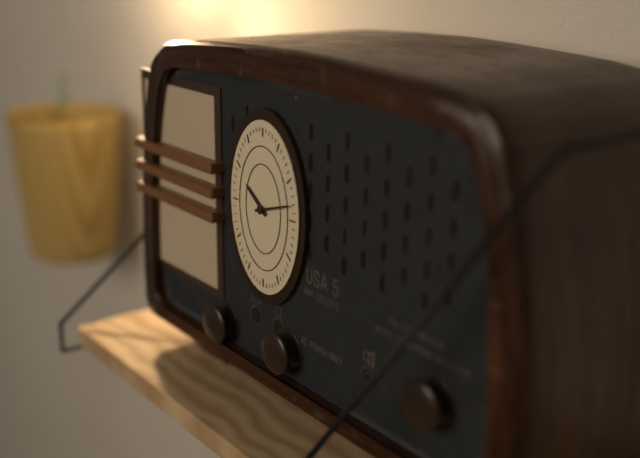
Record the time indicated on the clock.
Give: 10:12
